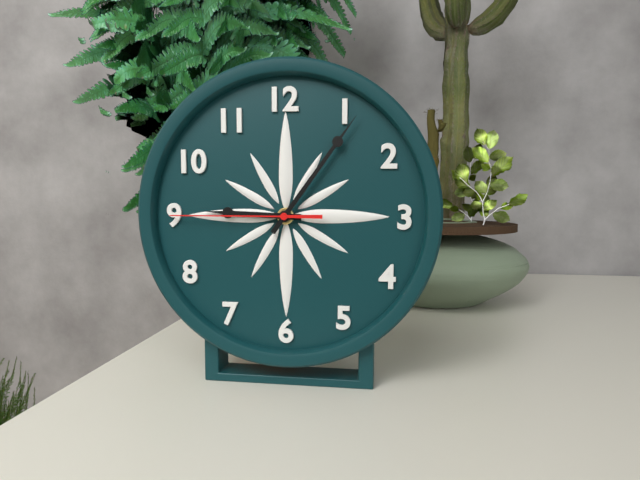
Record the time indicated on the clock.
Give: 9:06:45
